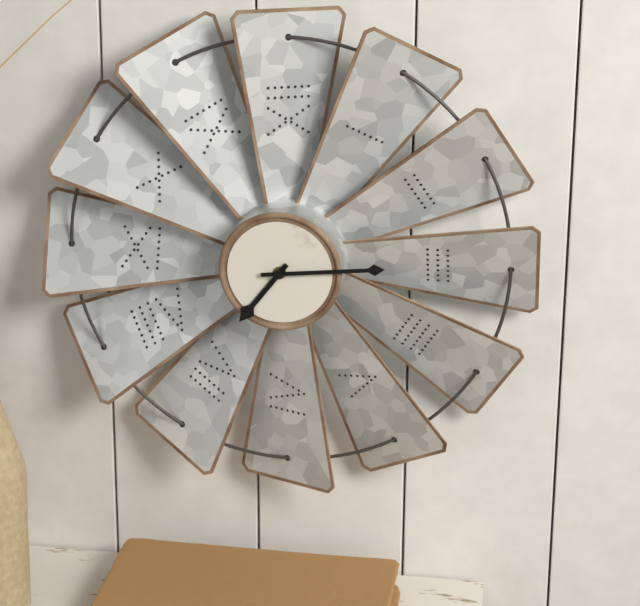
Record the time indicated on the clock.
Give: 7:14
